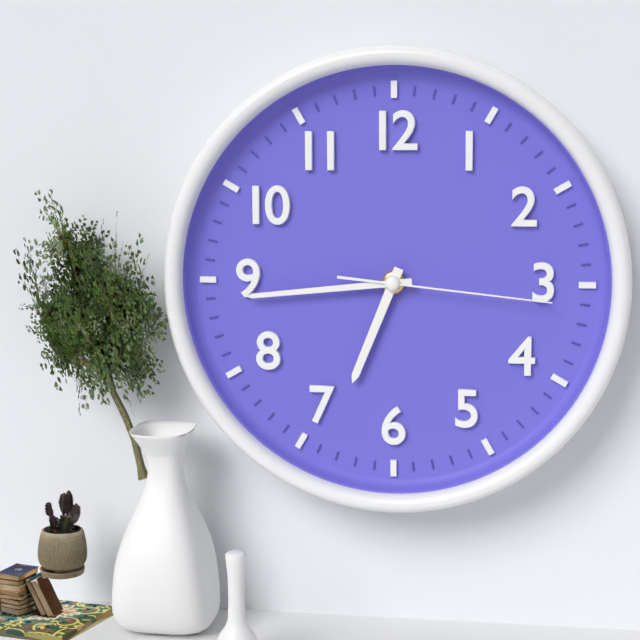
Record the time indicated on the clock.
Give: 6:44:16
